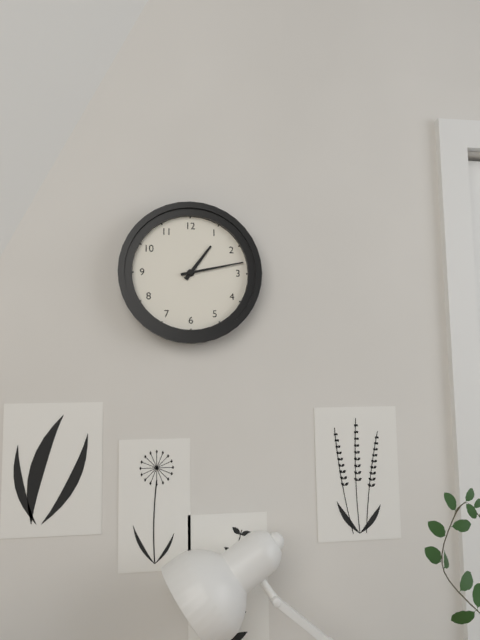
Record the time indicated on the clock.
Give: 1:13
